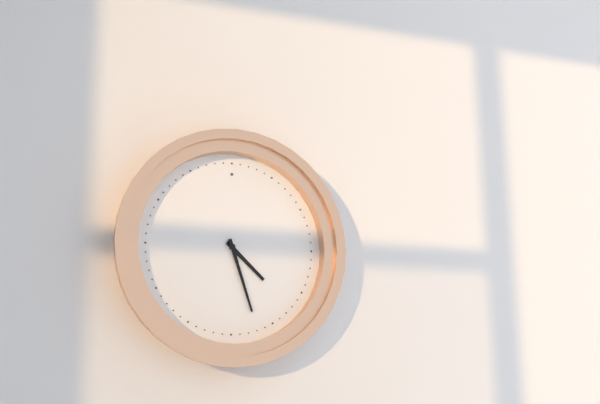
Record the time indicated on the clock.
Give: 4:27
